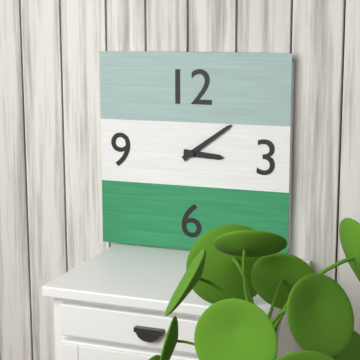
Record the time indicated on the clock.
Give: 3:09
